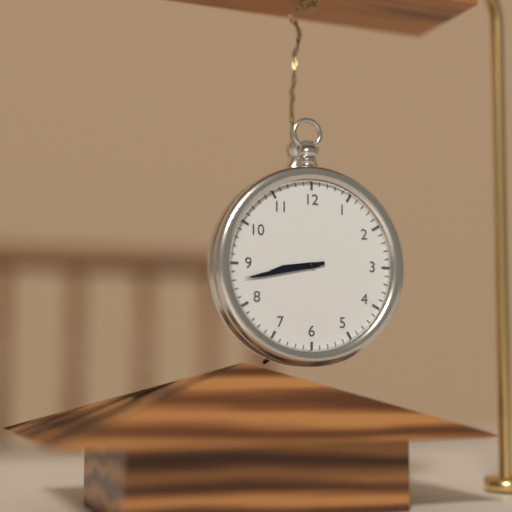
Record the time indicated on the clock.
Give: 8:43
